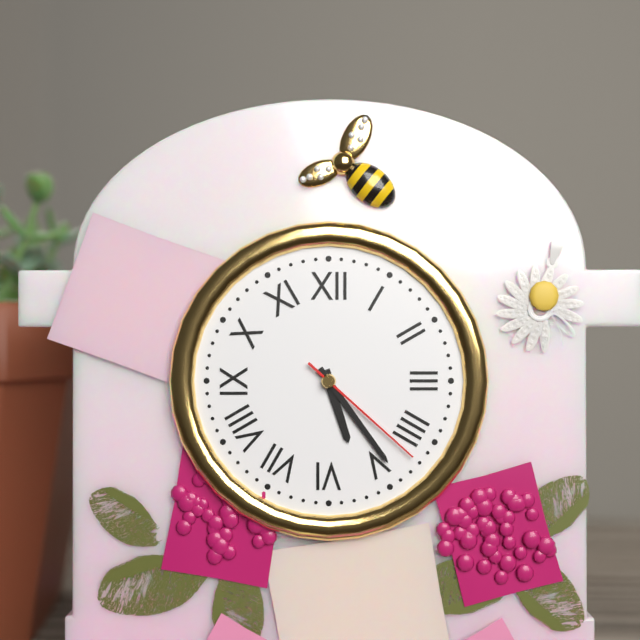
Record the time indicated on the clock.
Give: 5:24:22
